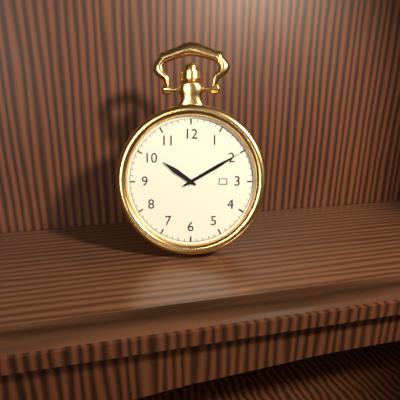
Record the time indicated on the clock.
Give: 10:10
